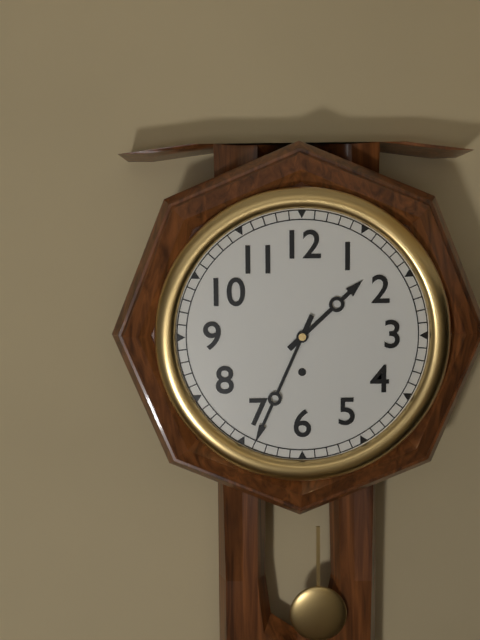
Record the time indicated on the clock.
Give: 1:34
